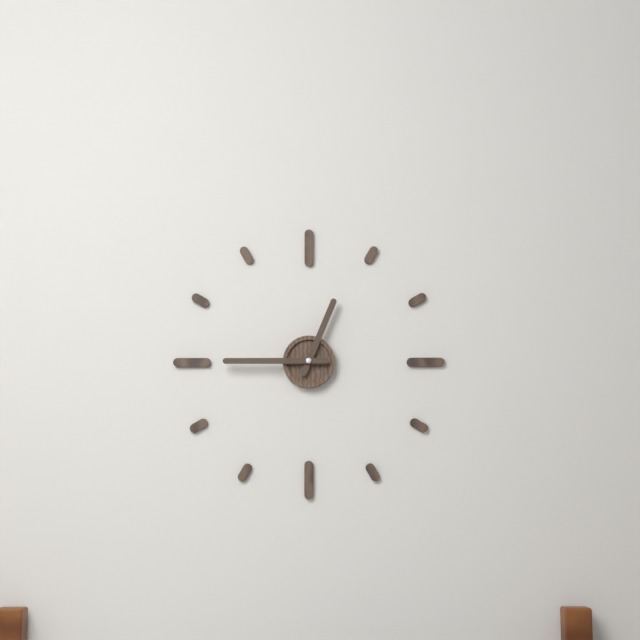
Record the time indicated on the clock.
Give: 12:45
